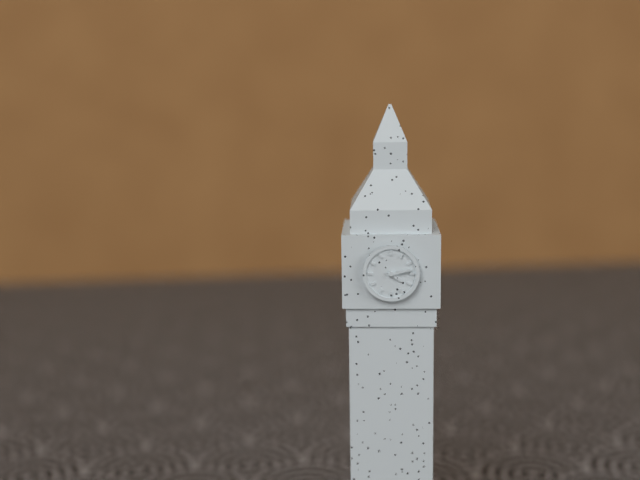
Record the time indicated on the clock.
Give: 4:13
